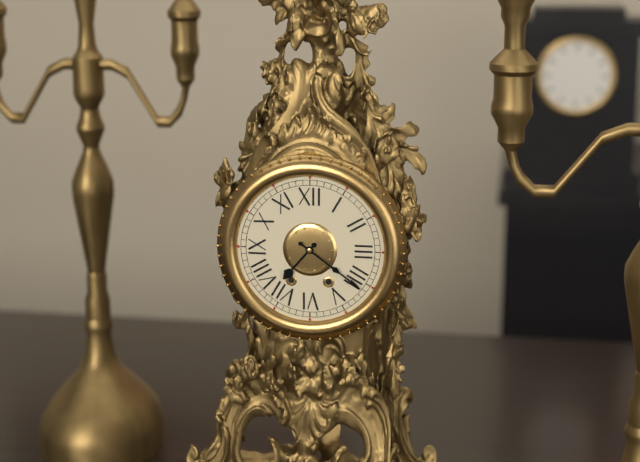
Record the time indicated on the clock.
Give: 7:21
